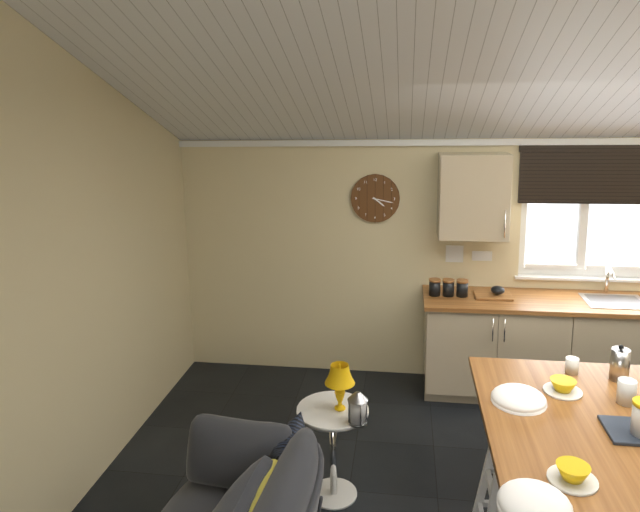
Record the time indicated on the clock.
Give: 4:17
